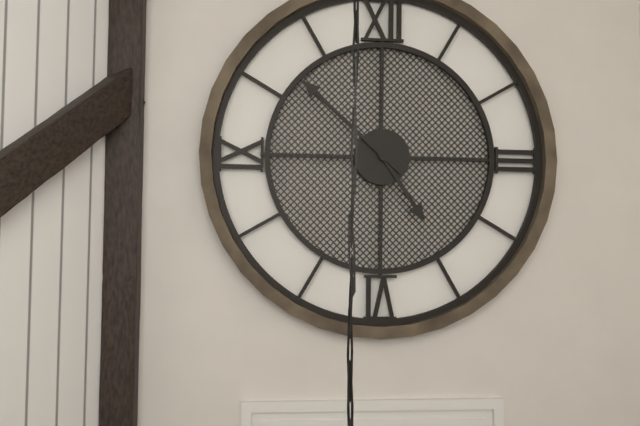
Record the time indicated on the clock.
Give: 4:52
